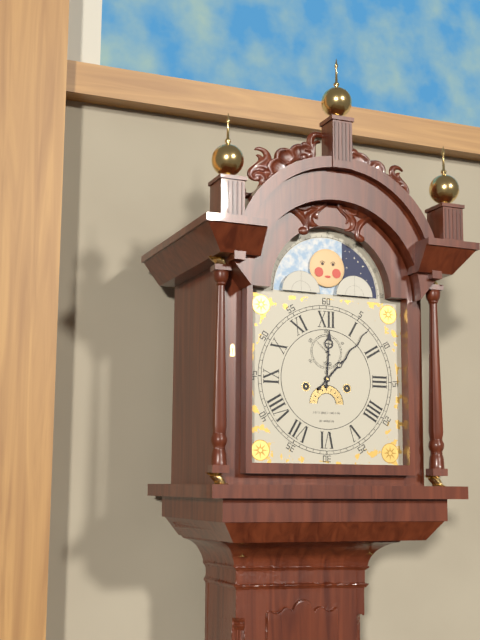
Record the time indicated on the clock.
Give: 12:07
